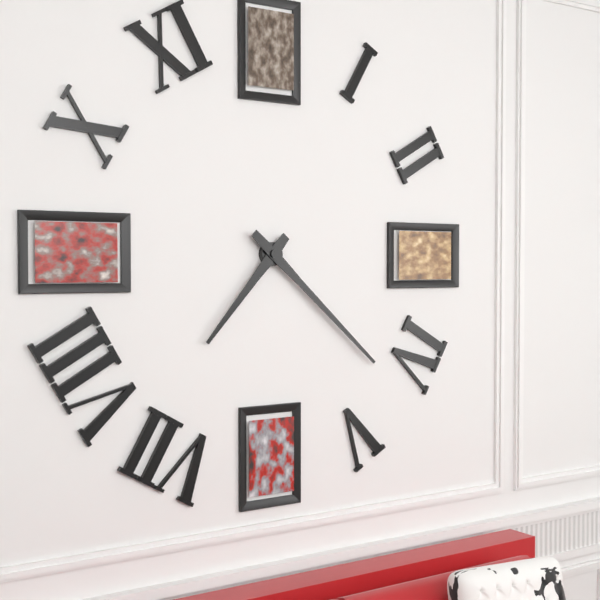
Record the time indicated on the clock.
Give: 7:22
